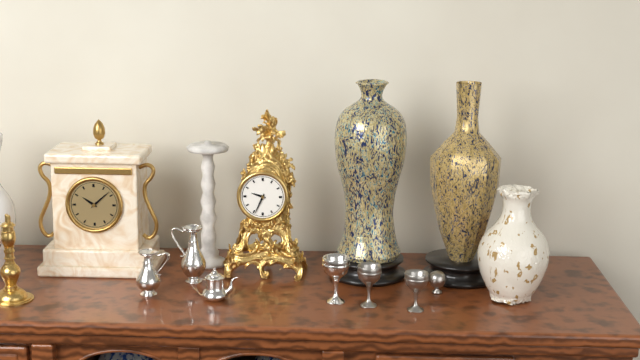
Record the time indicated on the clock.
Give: 9:34
